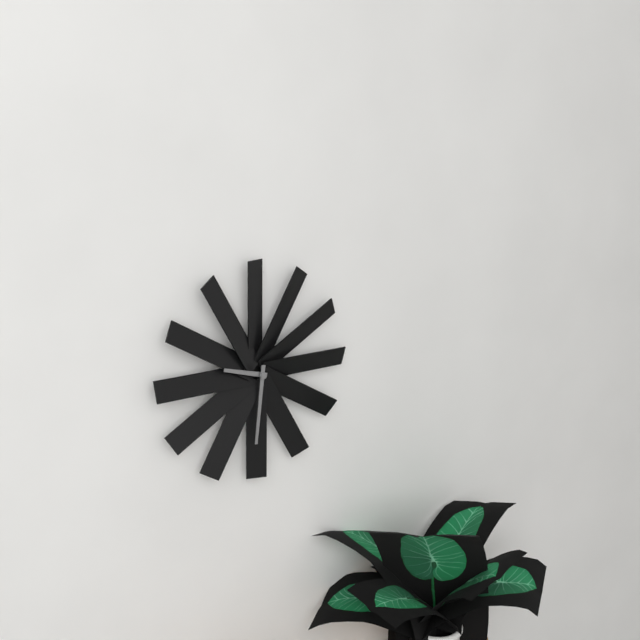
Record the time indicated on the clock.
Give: 9:31
